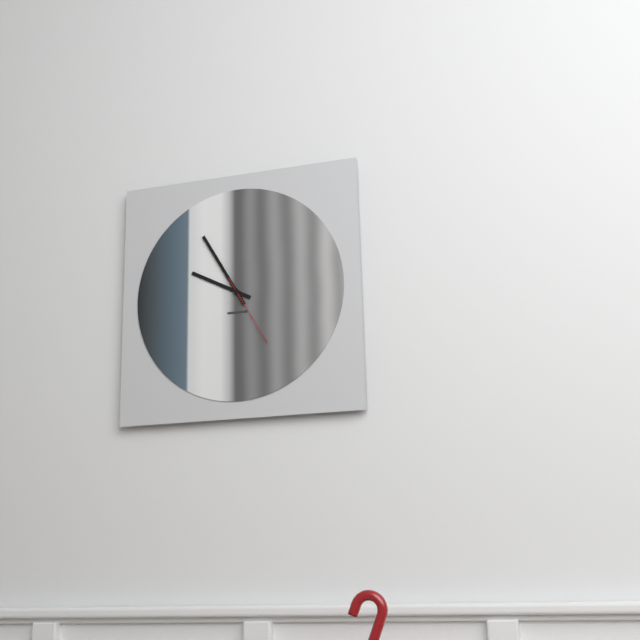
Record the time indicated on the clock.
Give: 9:55:25
